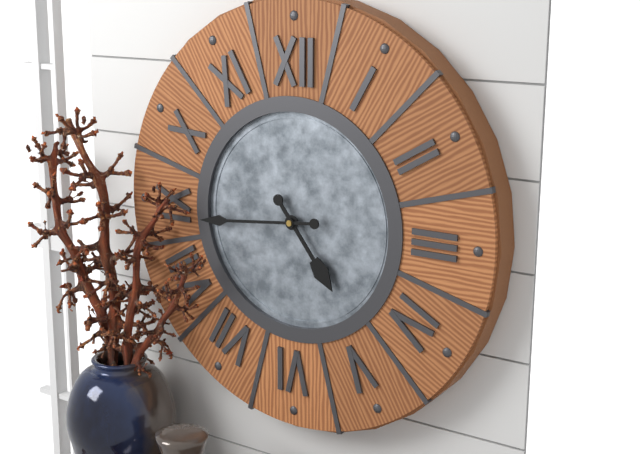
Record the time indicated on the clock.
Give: 4:44
